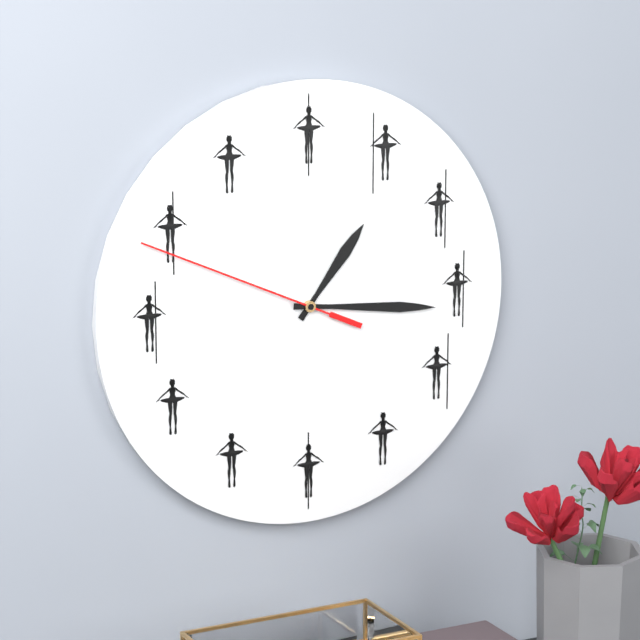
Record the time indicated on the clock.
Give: 1:16:49
